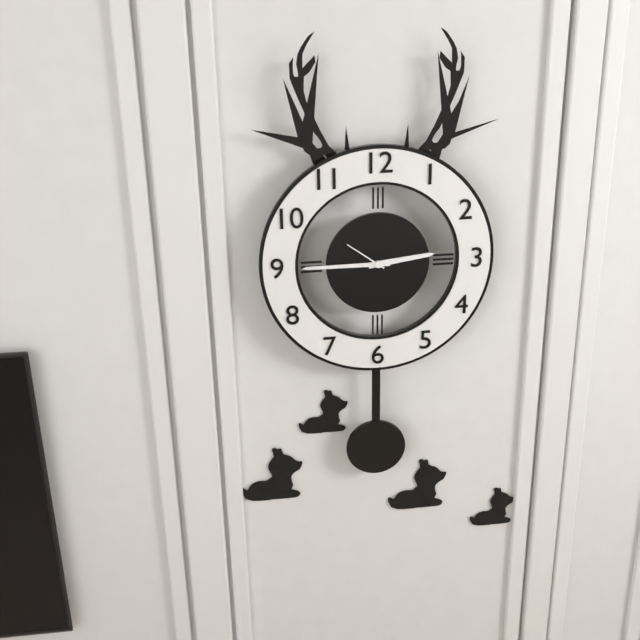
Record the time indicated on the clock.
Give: 2:45
